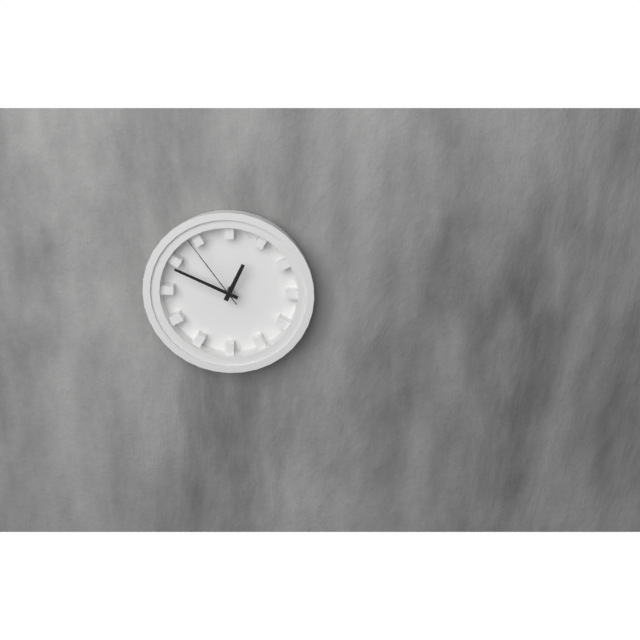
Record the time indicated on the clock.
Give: 12:49:54
